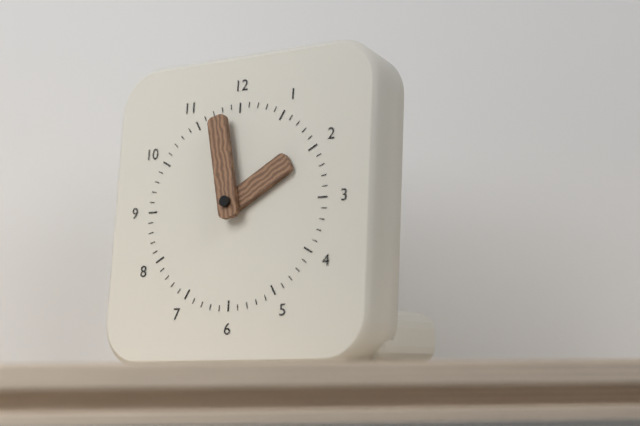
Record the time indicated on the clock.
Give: 1:58
